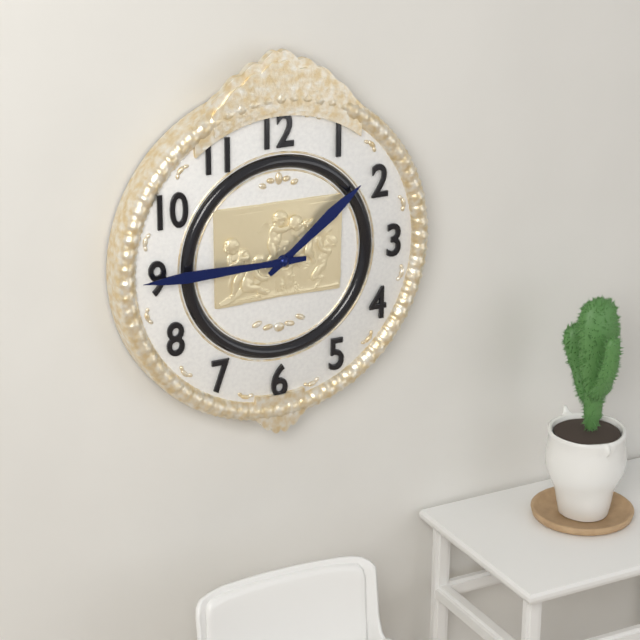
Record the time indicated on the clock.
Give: 1:45
